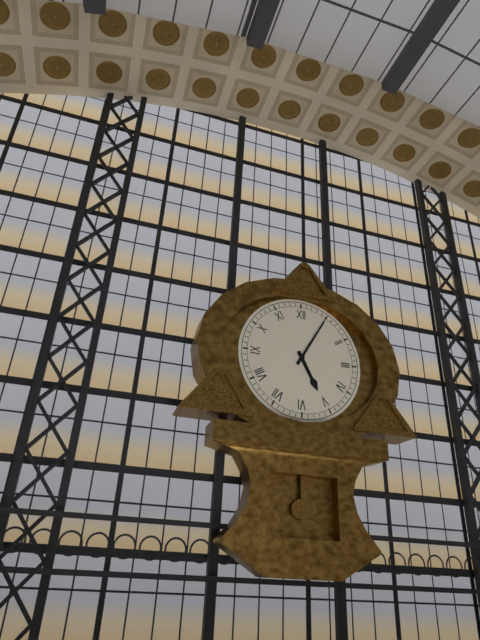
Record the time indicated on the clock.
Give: 5:05
